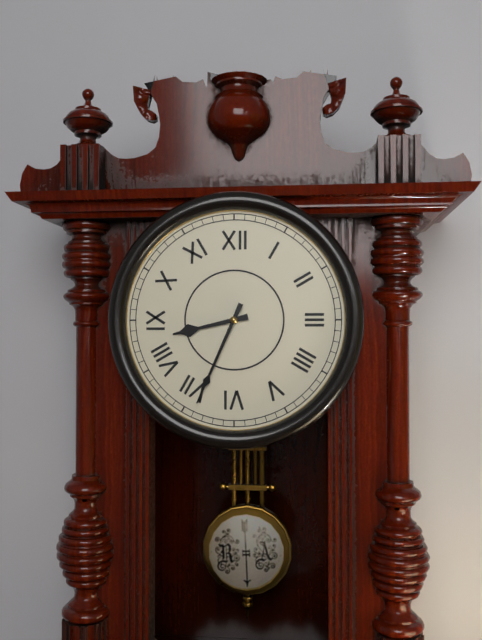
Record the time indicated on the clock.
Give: 8:34
